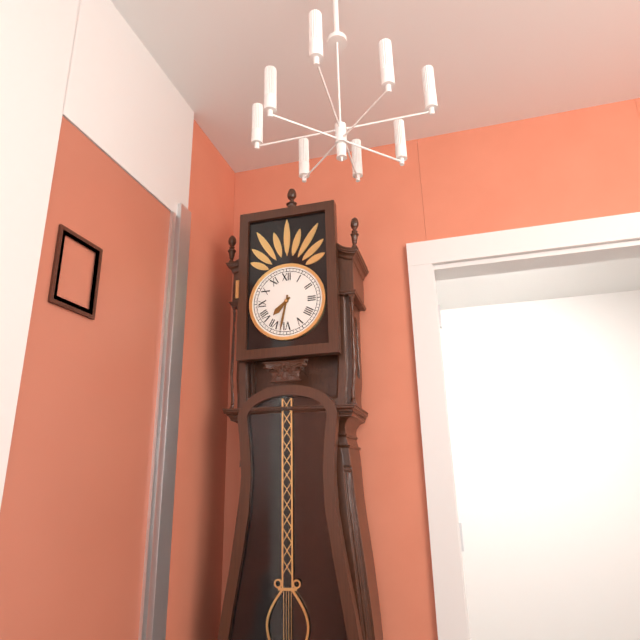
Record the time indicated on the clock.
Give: 7:32
